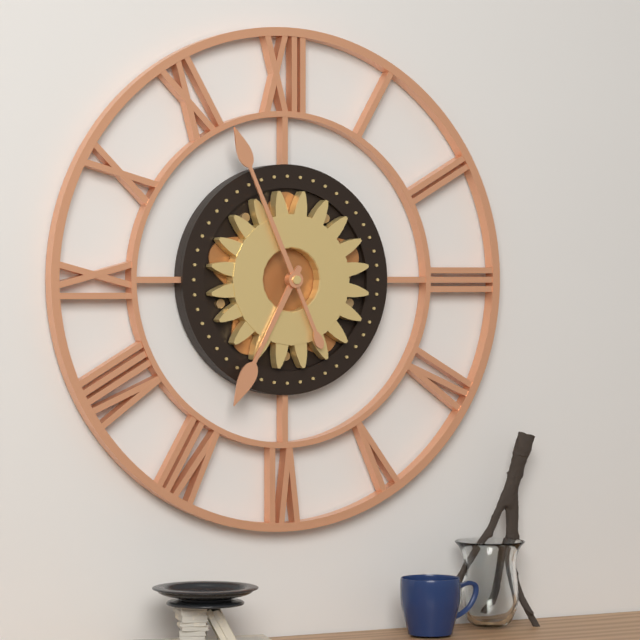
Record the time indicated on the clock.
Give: 6:56
